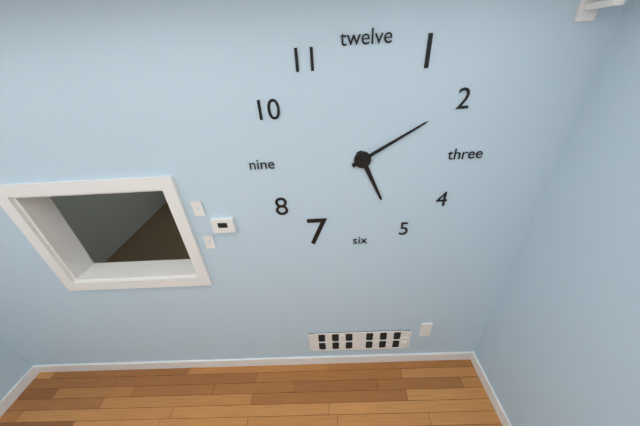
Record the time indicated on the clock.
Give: 5:10
